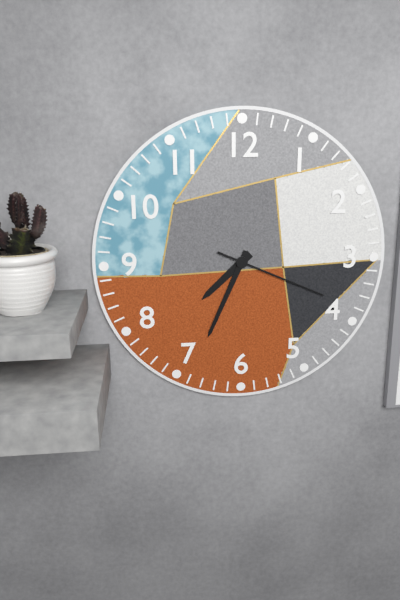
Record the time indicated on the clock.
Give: 7:34:19
